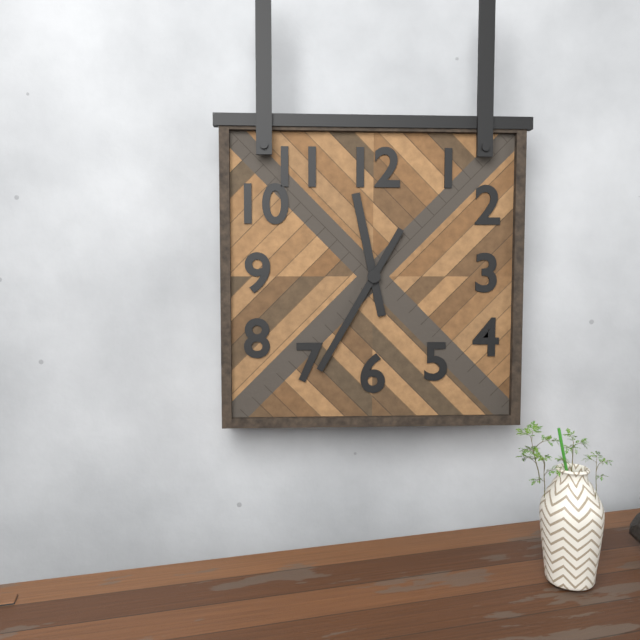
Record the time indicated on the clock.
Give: 11:35
